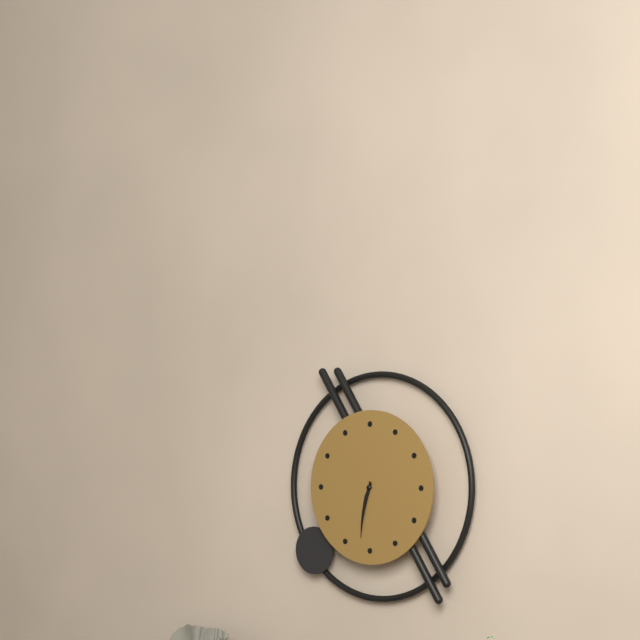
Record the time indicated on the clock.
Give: 6:32
